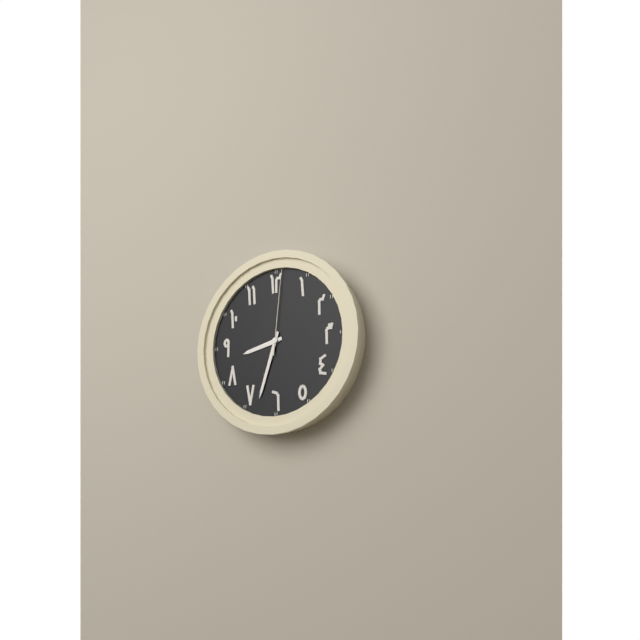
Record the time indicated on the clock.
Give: 8:33:01
